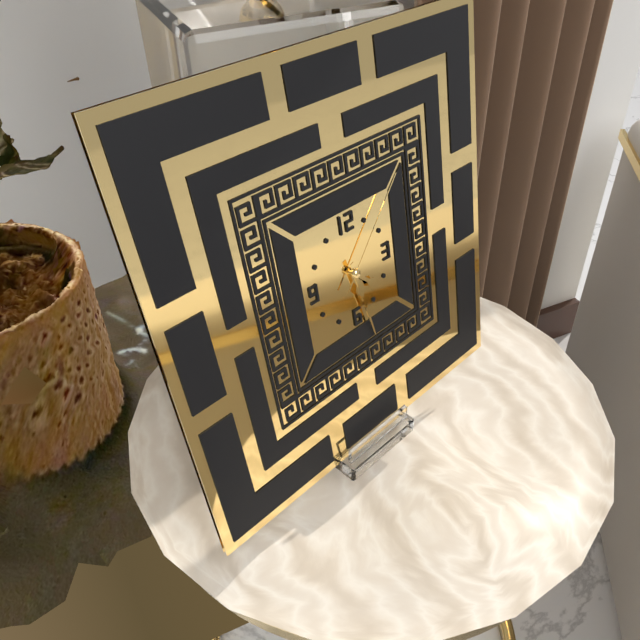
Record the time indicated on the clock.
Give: 4:28:07
